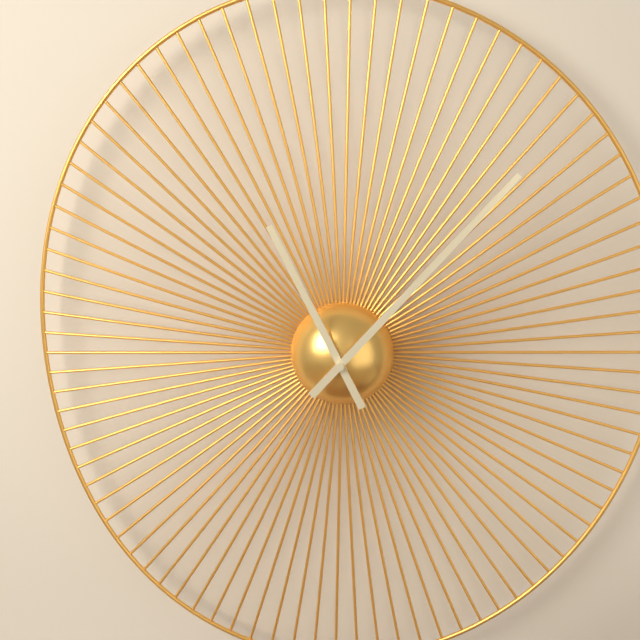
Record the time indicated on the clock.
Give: 11:07
